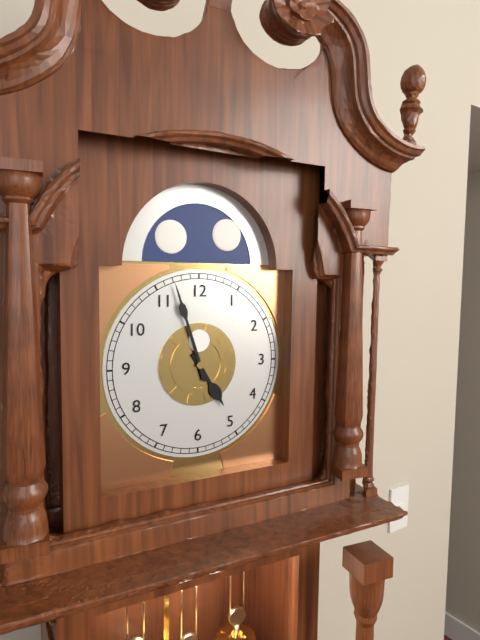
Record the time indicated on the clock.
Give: 4:57
